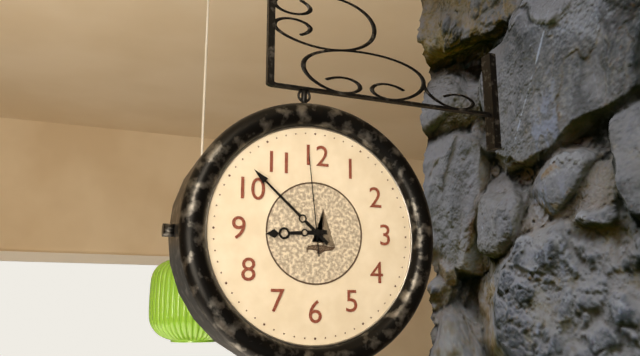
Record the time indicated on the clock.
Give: 8:52:59
